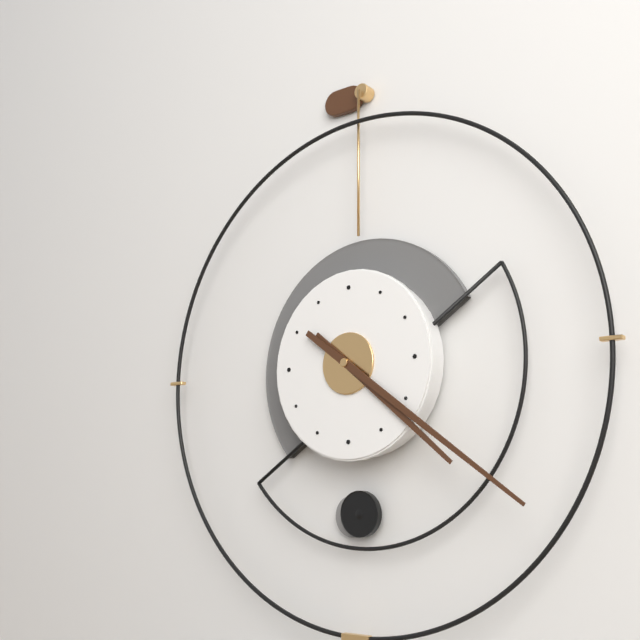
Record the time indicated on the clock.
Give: 4:21
